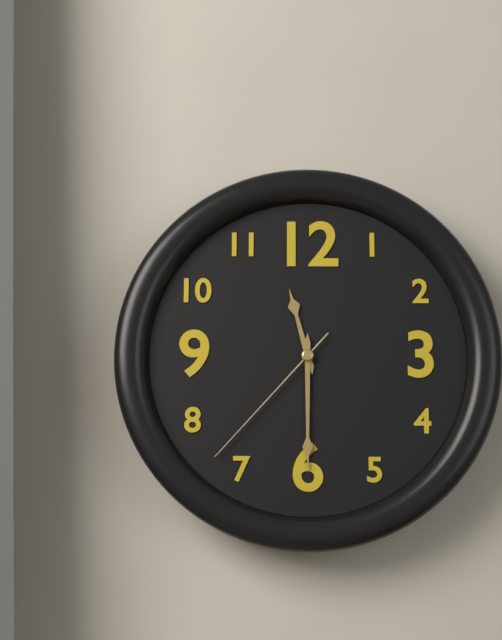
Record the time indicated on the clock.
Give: 11:30:37
